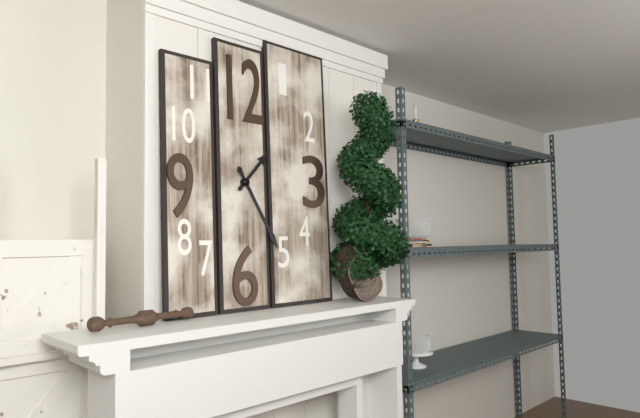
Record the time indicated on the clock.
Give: 1:25
